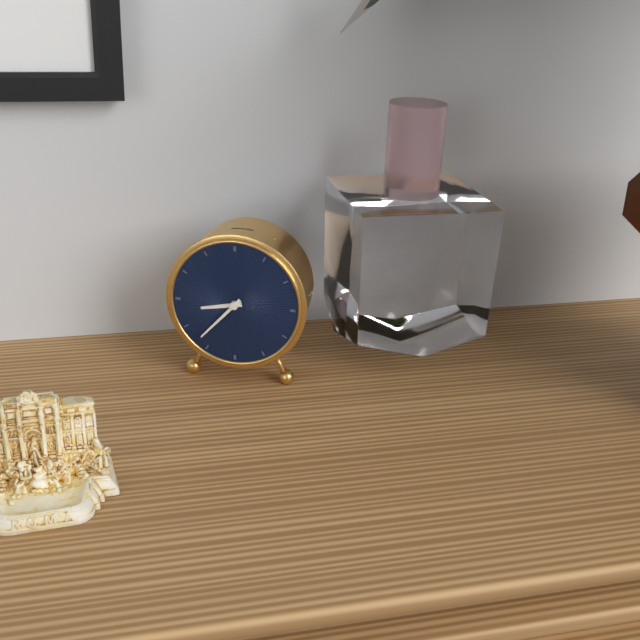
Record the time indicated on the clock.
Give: 8:37
